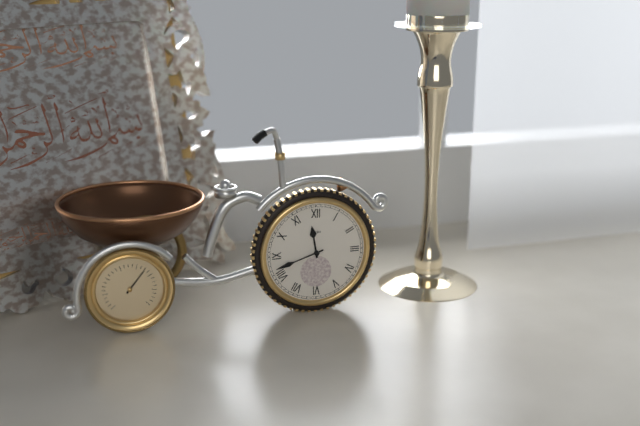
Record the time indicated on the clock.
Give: 11:42
